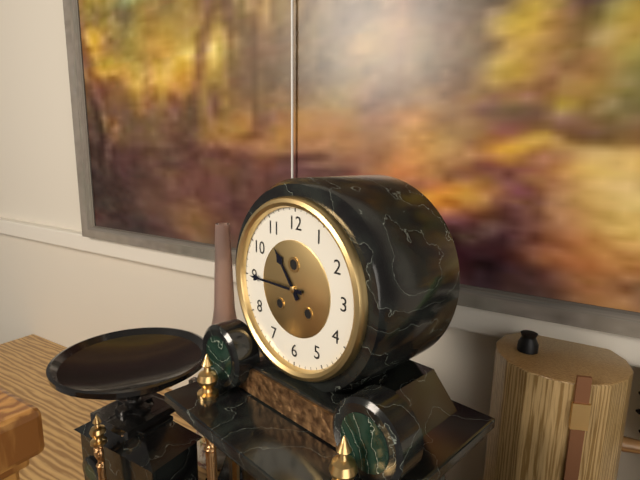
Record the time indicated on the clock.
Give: 10:45
